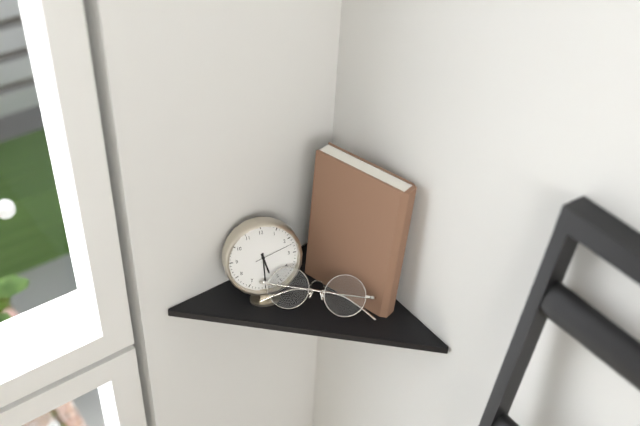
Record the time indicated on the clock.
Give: 5:30
